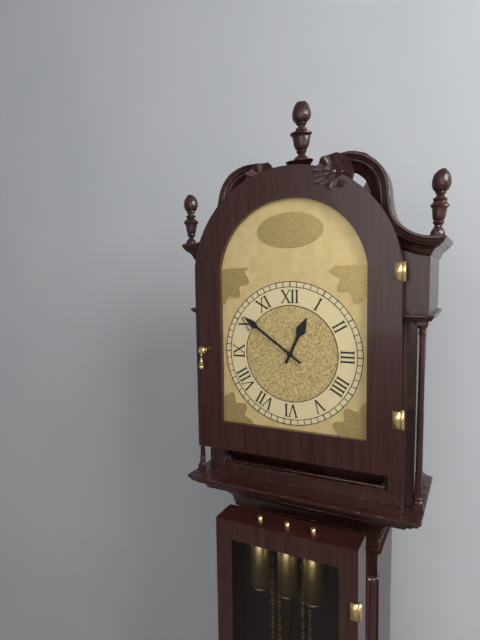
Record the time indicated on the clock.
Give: 12:51
